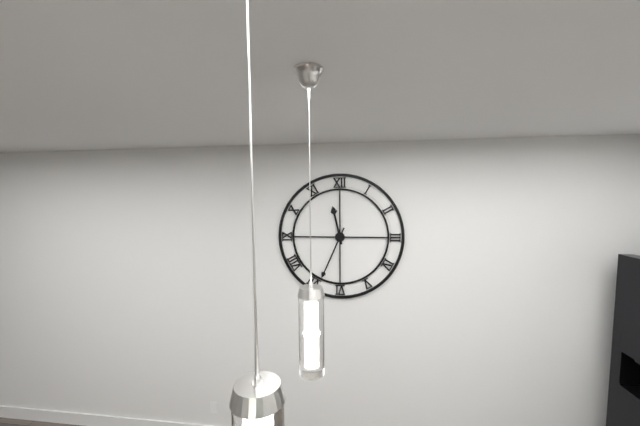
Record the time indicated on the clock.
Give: 11:34
